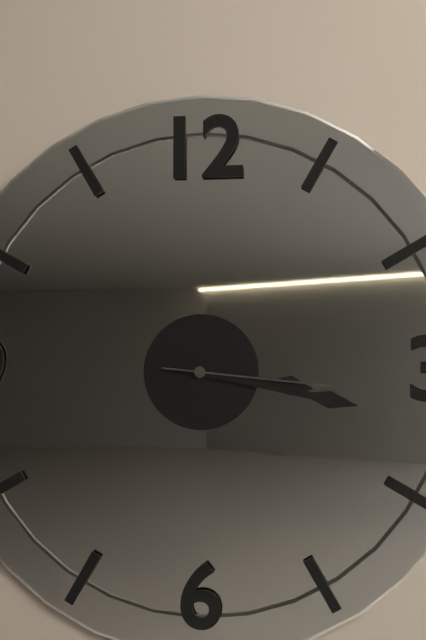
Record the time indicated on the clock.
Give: 3:17:16
